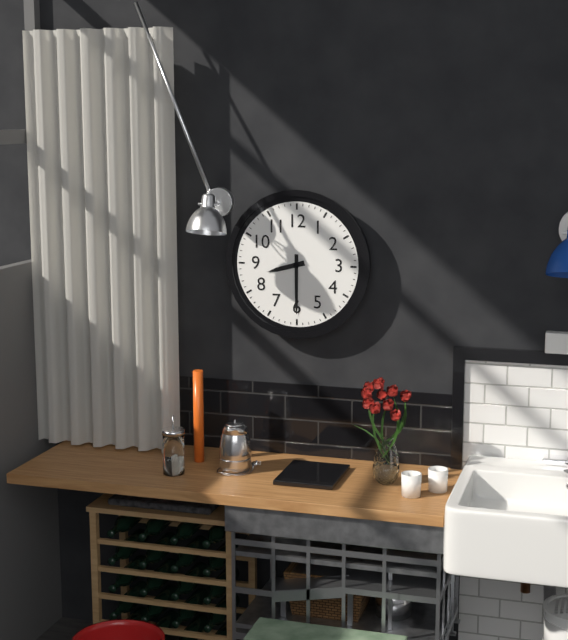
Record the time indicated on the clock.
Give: 8:30
